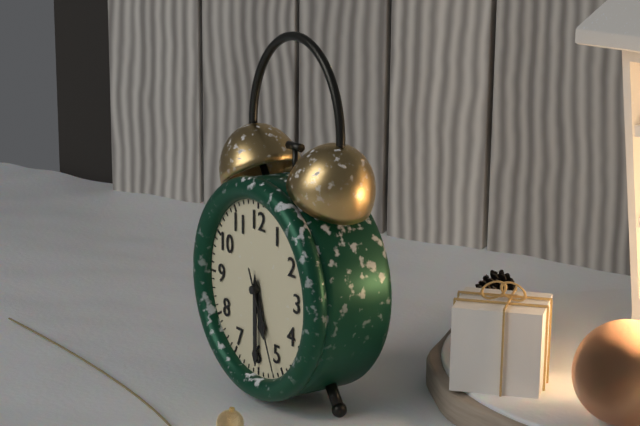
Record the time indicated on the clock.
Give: 5:30:26
